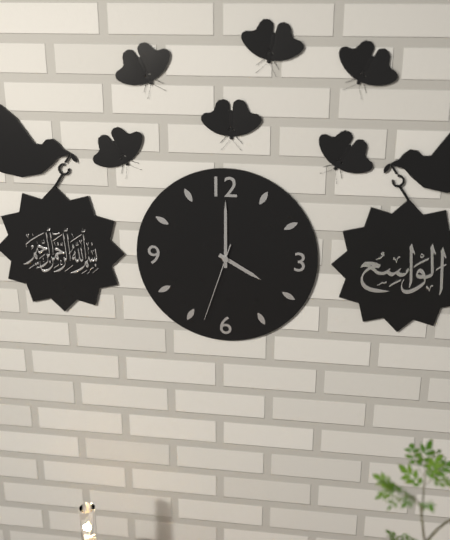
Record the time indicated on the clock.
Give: 4:00:33
